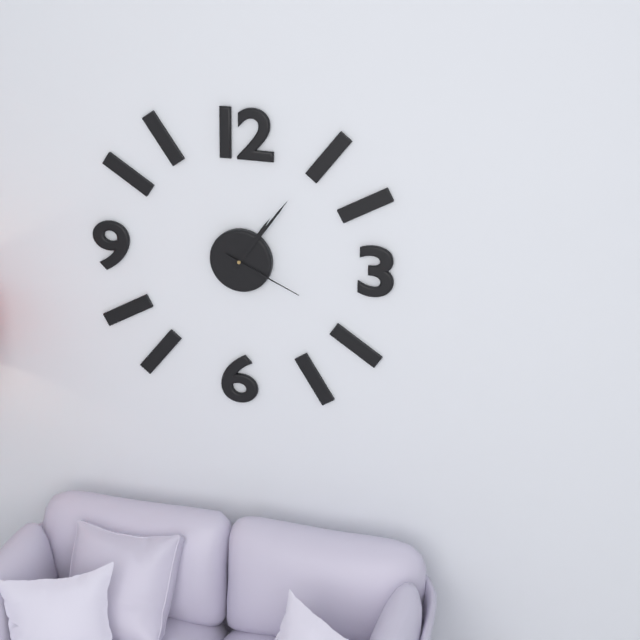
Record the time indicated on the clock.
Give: 1:06:19
